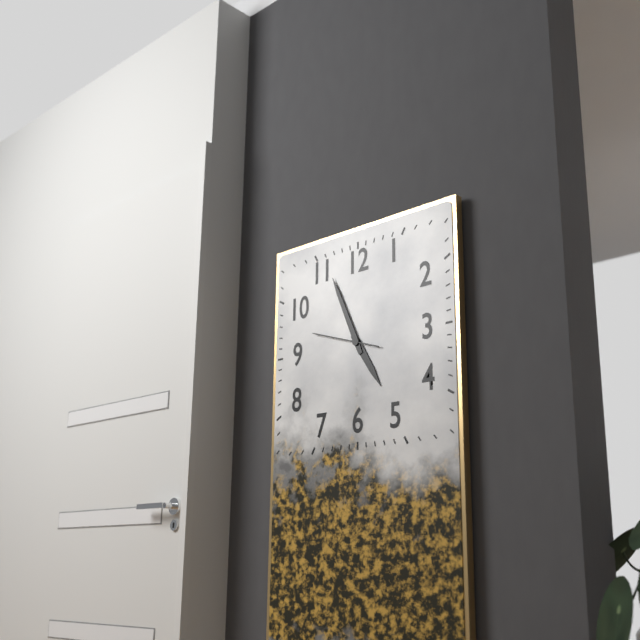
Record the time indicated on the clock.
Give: 4:56:48
